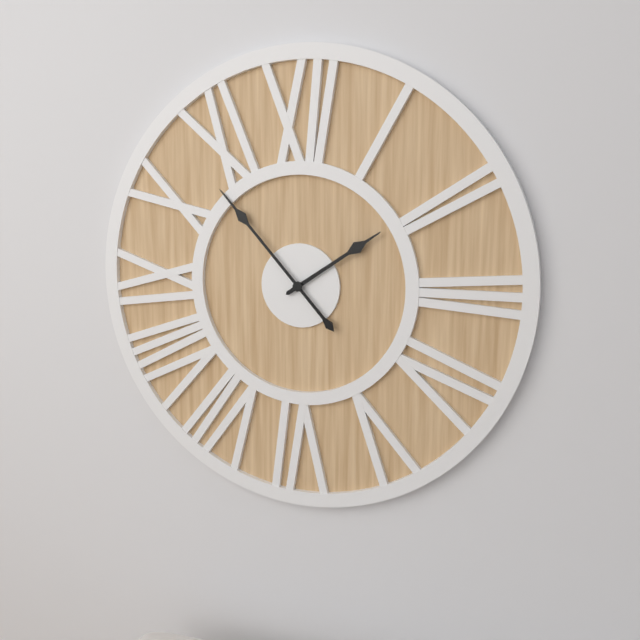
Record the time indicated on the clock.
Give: 1:53
